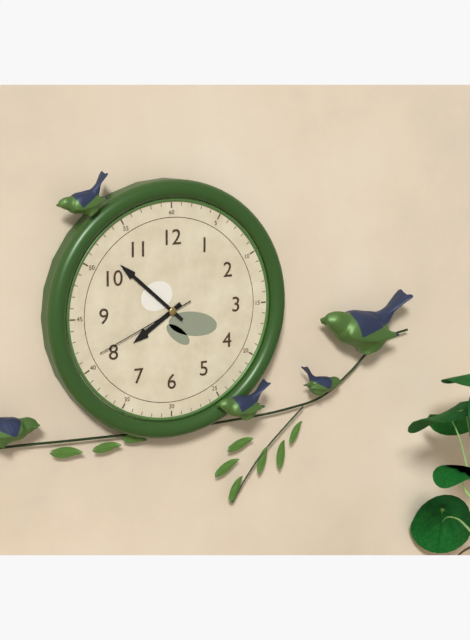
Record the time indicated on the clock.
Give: 7:52:41
